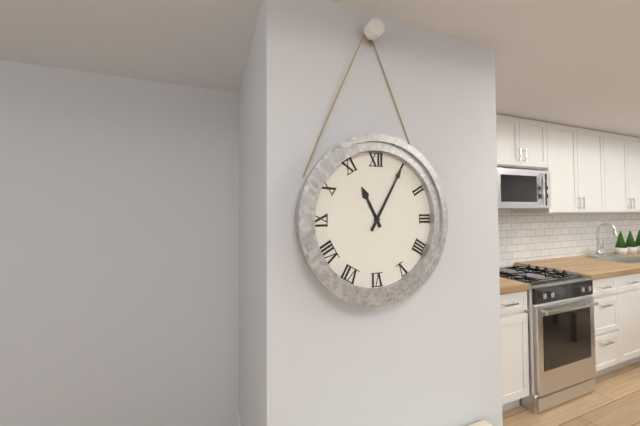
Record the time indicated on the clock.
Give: 11:05
